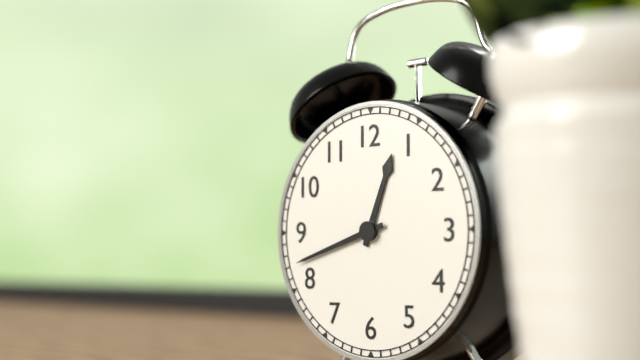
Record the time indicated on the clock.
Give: 12:42
